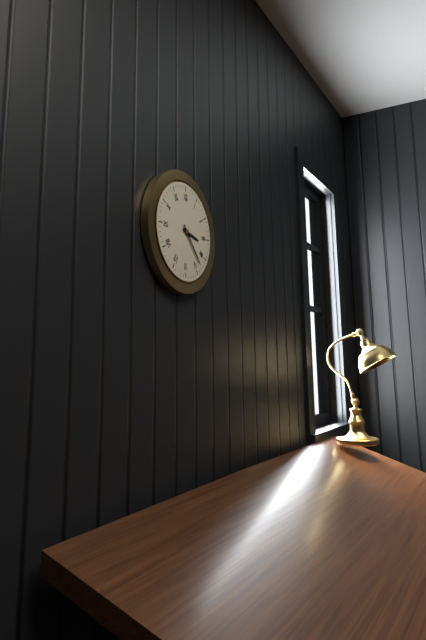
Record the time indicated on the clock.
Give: 3:23
